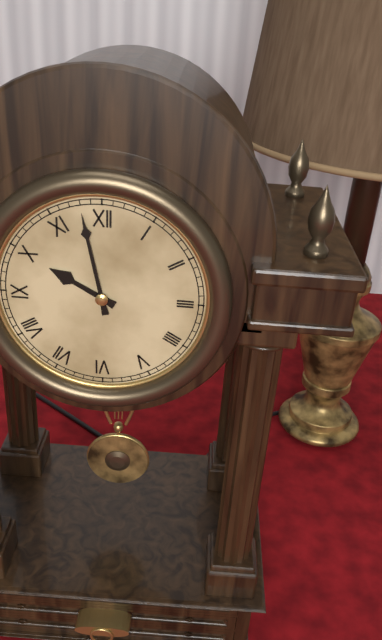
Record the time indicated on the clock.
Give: 9:58
